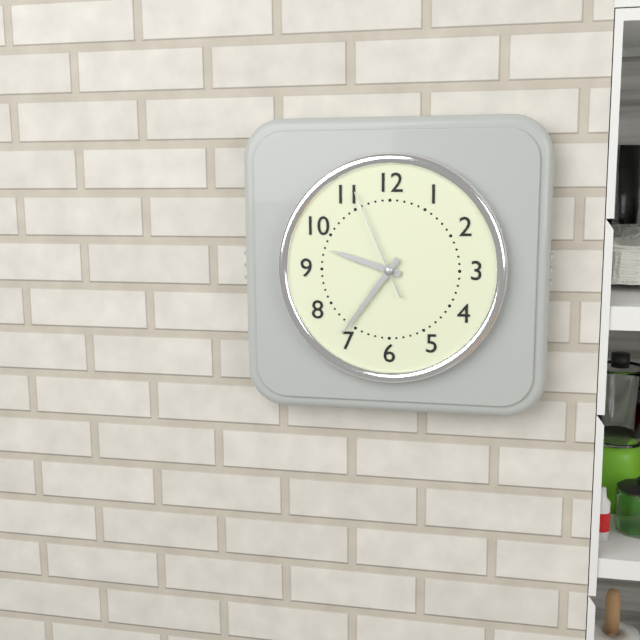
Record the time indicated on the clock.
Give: 9:36:56
